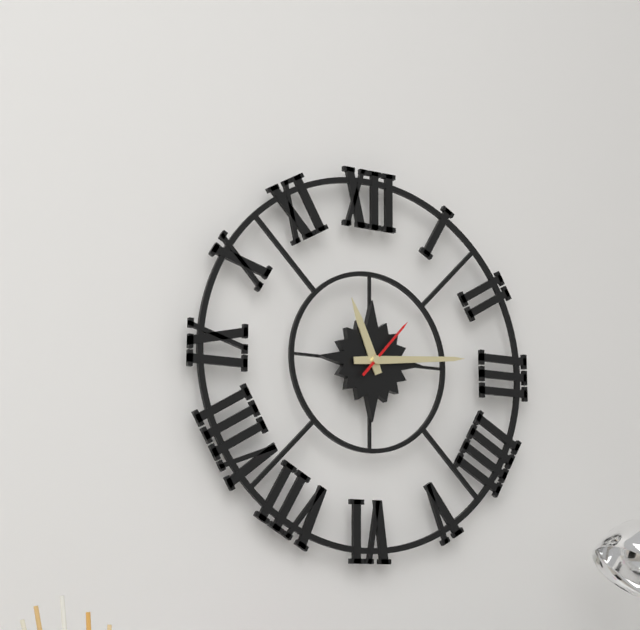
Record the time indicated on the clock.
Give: 11:14:07
